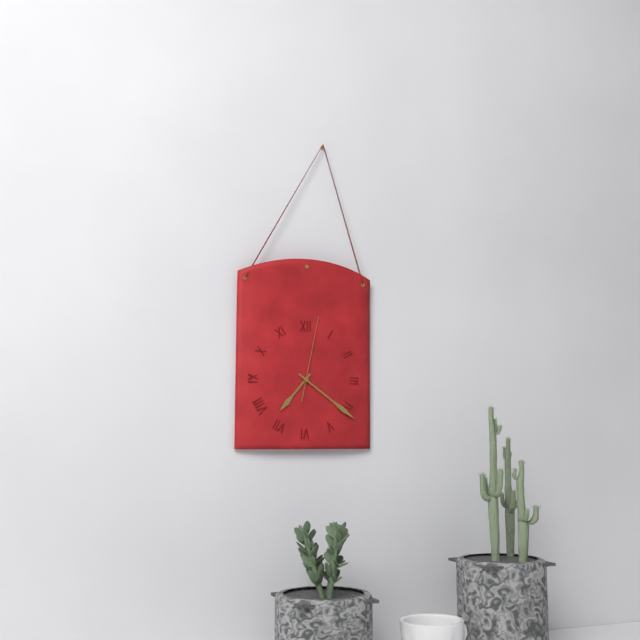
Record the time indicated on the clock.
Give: 7:21:02
